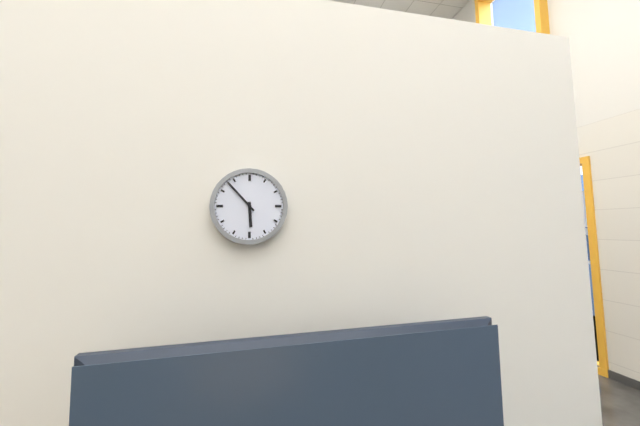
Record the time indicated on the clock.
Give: 5:53
